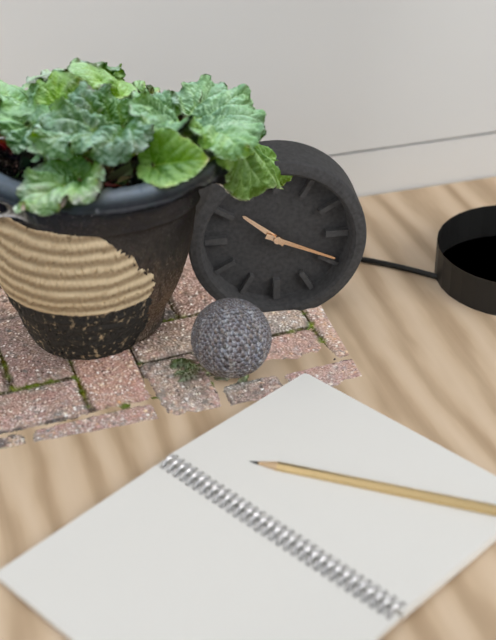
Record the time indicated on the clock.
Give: 10:19
